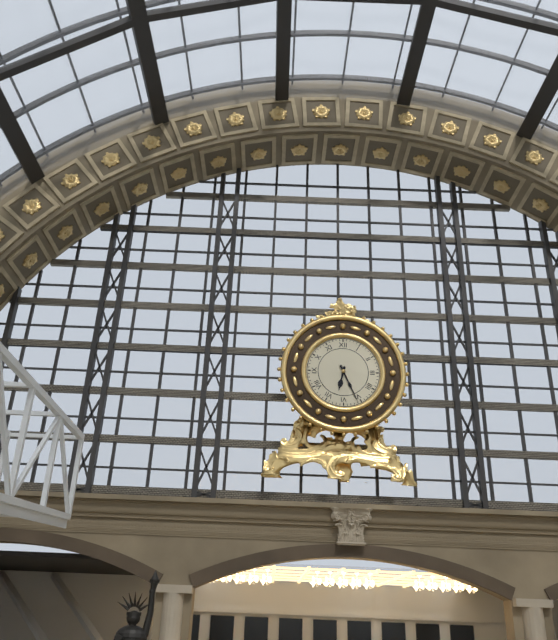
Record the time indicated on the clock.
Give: 6:26
